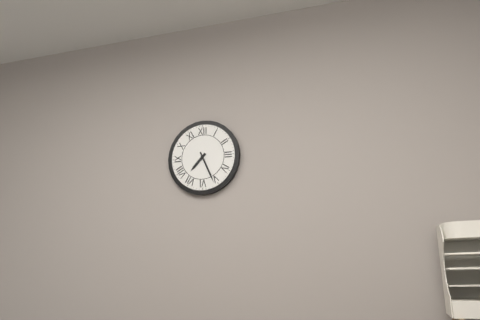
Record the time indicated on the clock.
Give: 7:26
